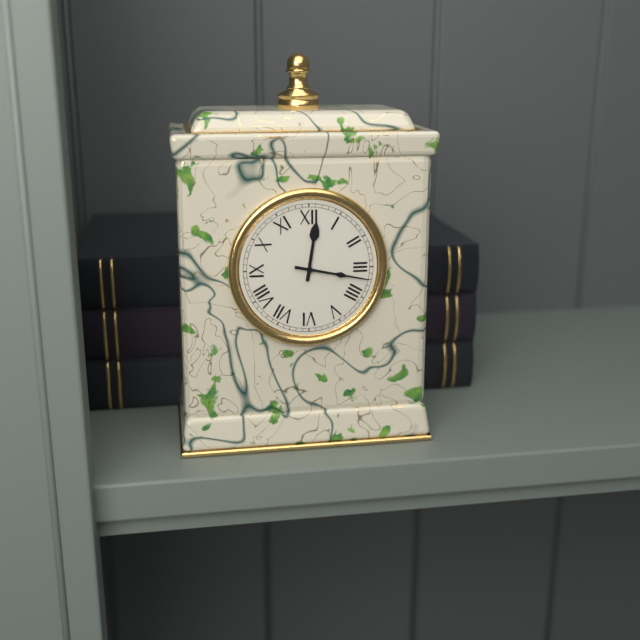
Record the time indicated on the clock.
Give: 12:17
